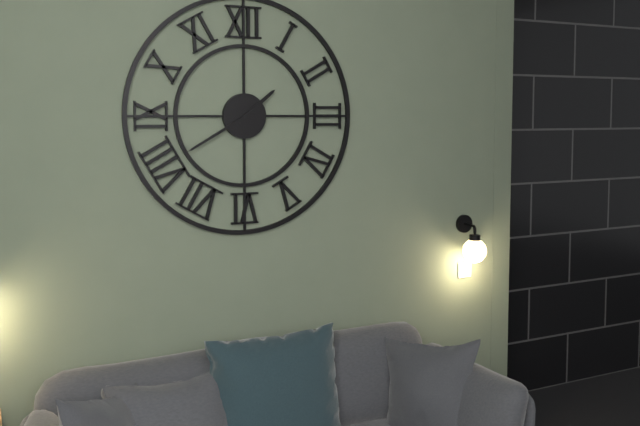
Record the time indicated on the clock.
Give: 1:40
